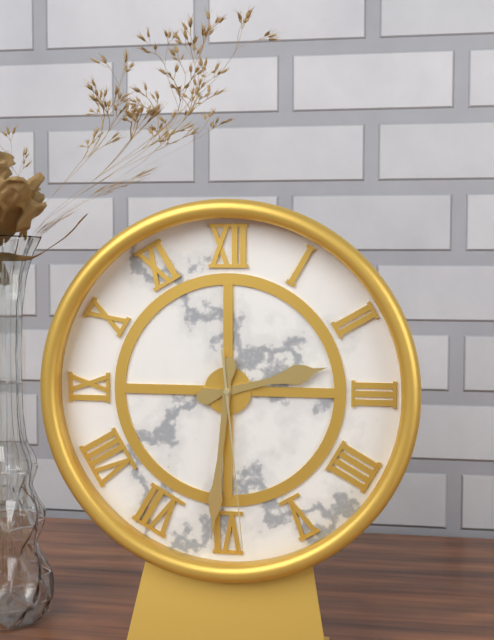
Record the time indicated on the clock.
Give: 2:31:29
